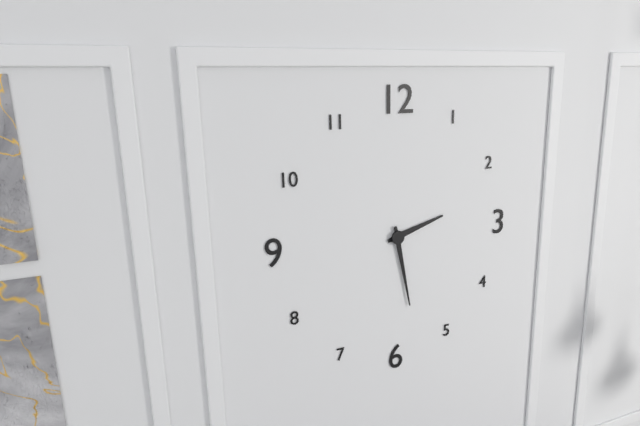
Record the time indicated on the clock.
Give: 2:28
